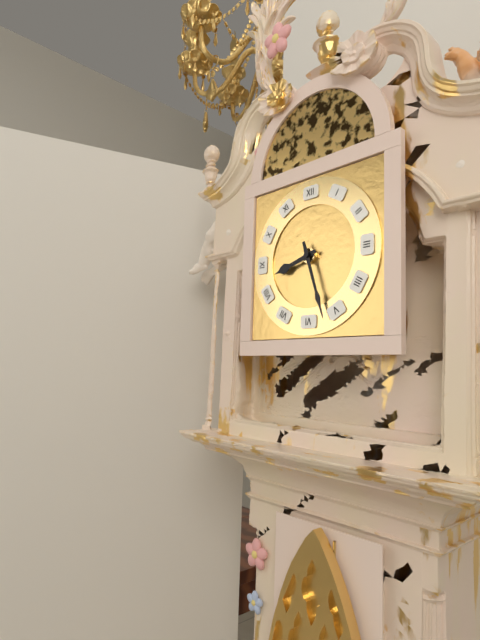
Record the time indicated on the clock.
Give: 8:27
